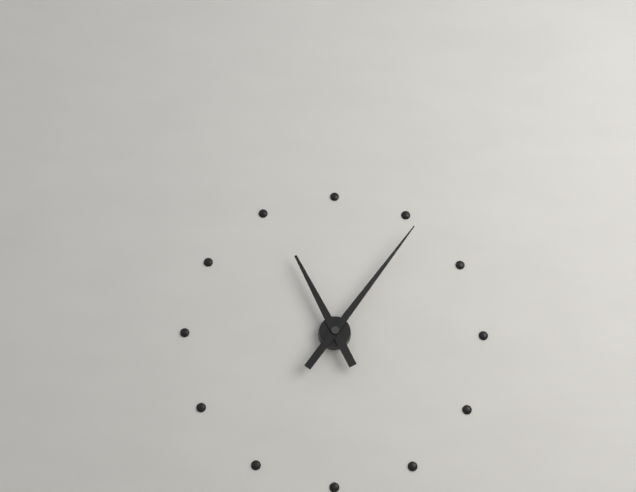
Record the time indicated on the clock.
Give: 11:06
